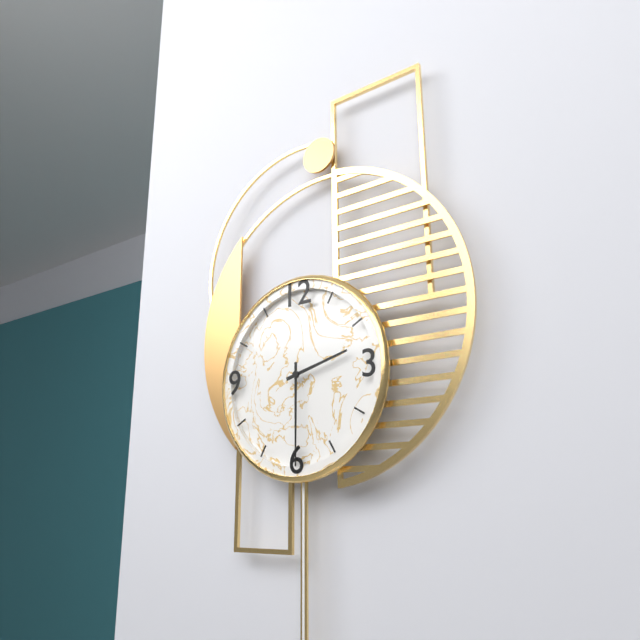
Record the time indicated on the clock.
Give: 2:30
